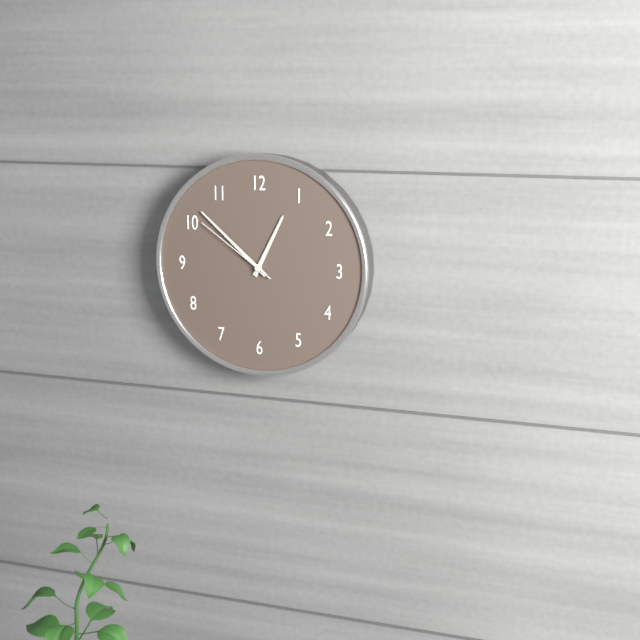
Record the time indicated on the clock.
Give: 12:52:51
